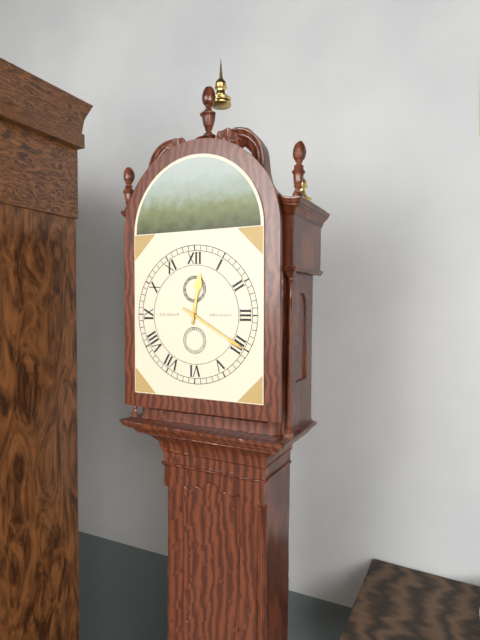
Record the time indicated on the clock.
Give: 12:20
